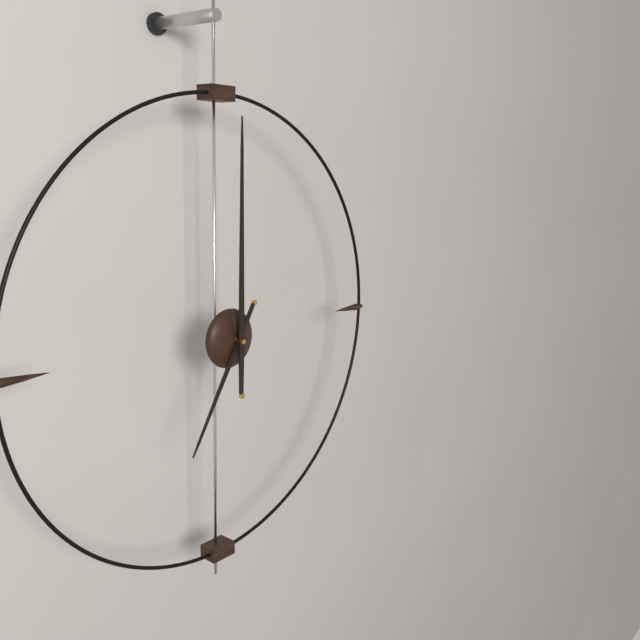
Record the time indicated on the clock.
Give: 7:00
